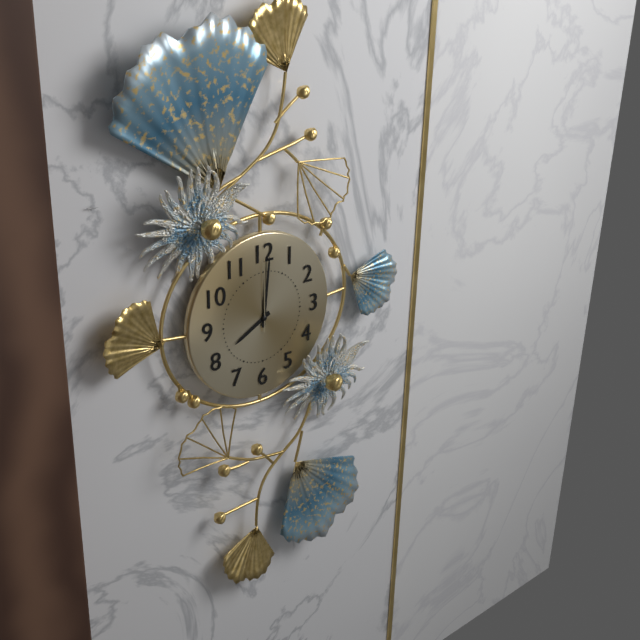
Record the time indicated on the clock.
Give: 8:01:00
